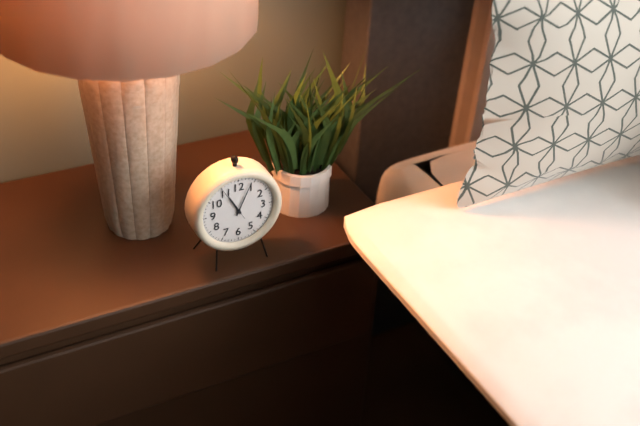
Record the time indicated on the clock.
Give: 11:04
